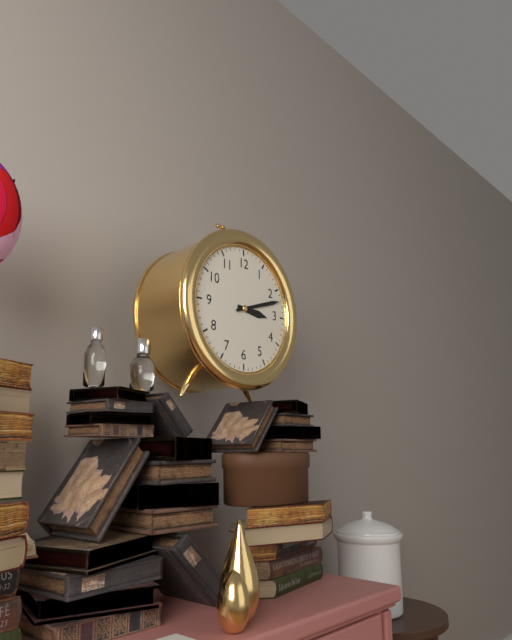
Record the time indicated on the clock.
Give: 3:12
